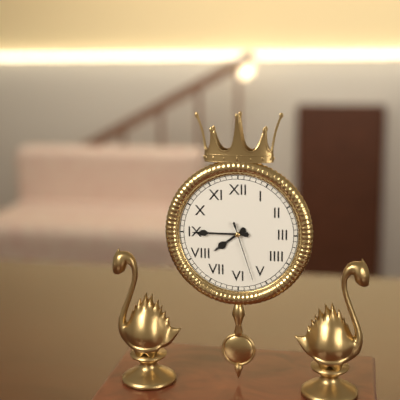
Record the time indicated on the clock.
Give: 7:45:27
